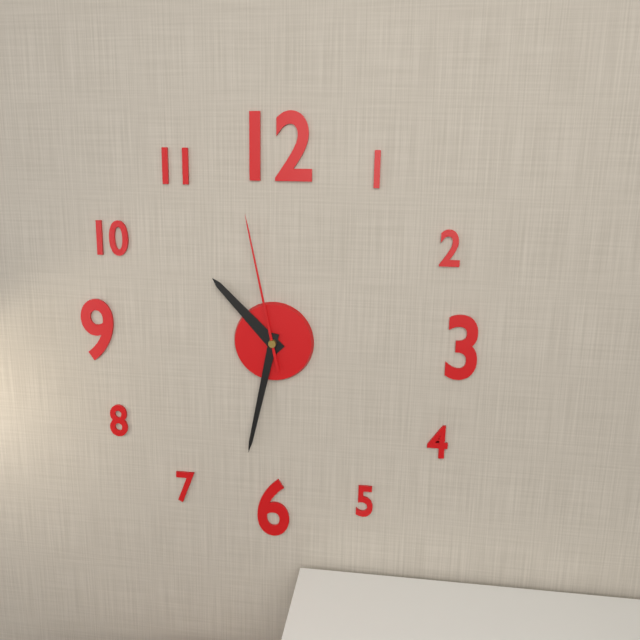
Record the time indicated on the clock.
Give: 10:32:58
